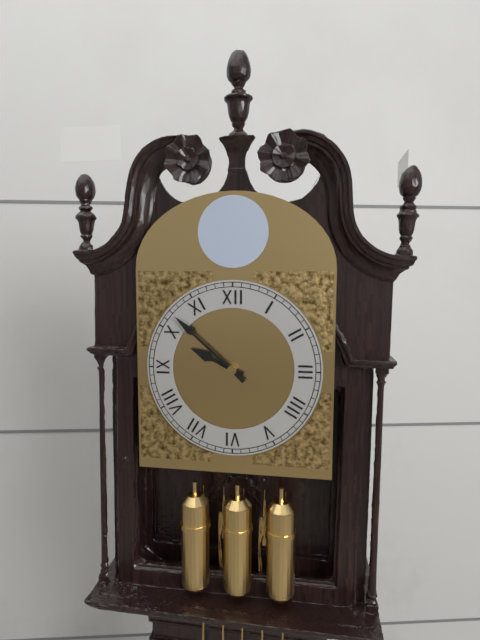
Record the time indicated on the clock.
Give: 9:52
